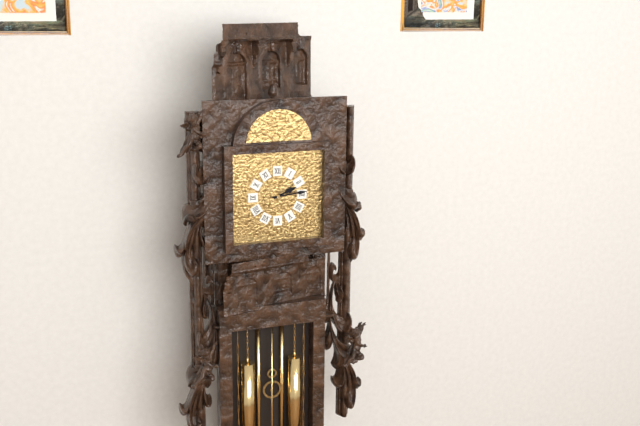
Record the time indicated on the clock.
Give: 2:14
